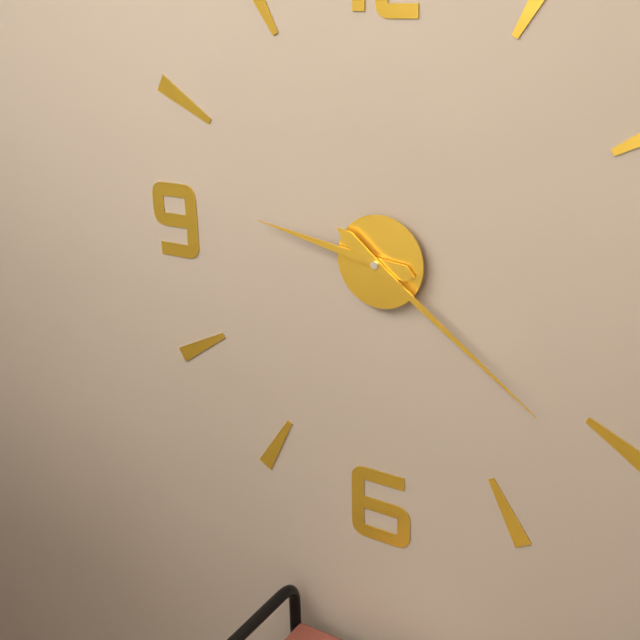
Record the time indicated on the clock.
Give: 9:21
